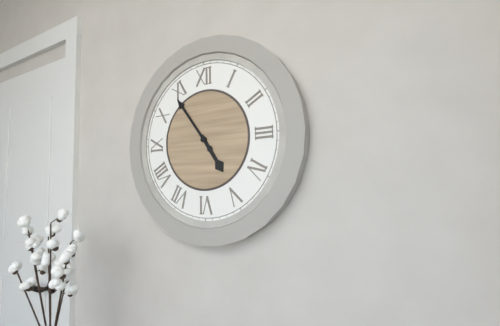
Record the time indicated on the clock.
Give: 4:54
